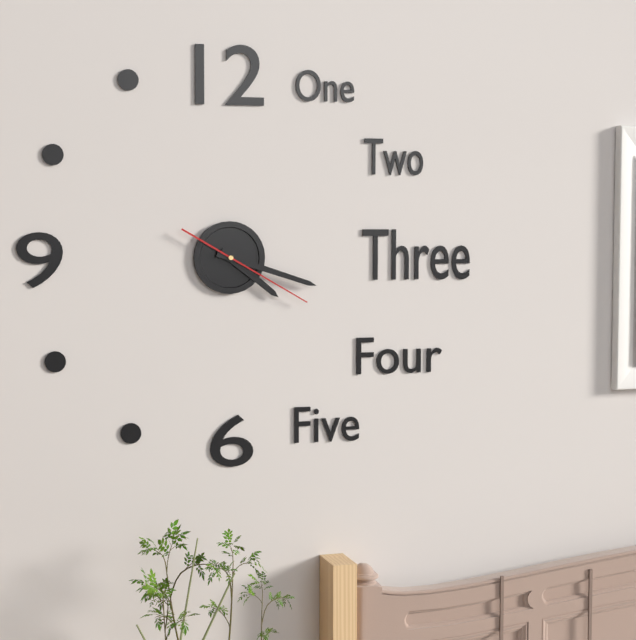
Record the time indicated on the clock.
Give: 4:18:20
